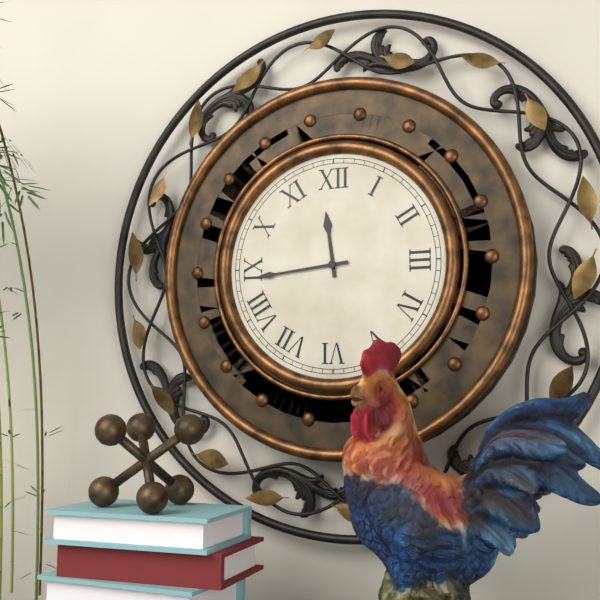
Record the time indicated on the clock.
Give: 11:44
